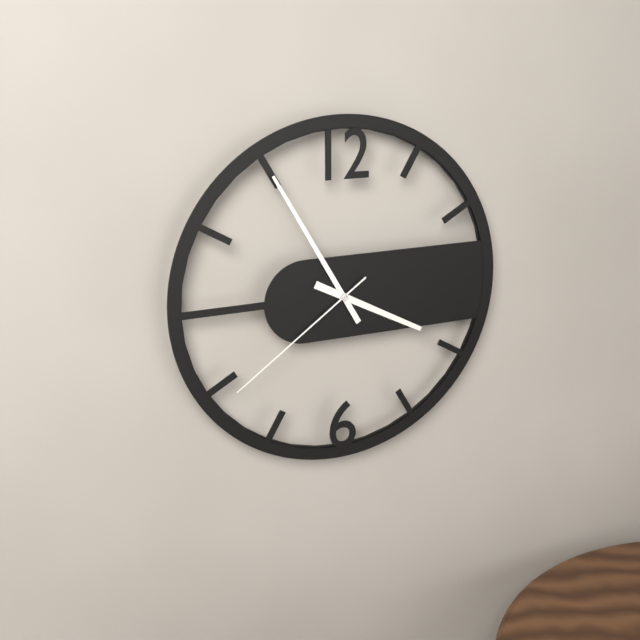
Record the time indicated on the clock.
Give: 3:55:39
